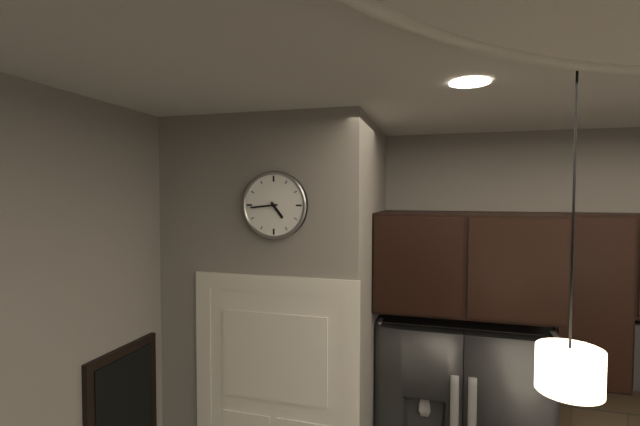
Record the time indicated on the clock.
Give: 4:44
